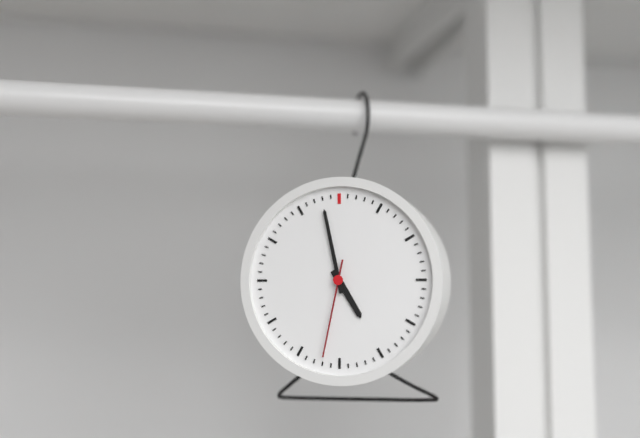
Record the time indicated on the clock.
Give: 4:58:32
